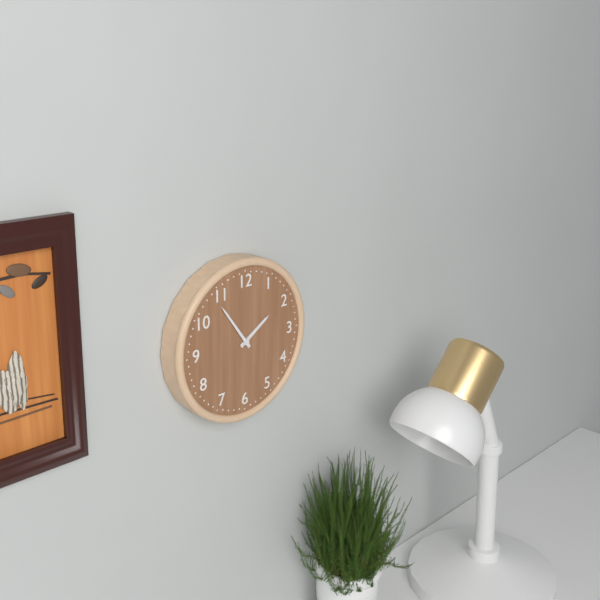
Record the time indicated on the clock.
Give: 1:54
